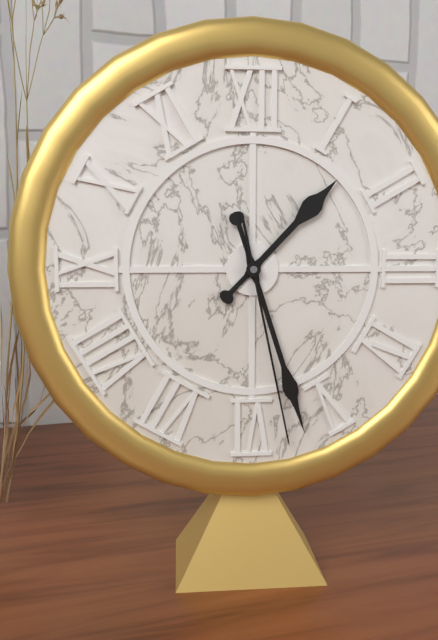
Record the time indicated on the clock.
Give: 1:27:28
